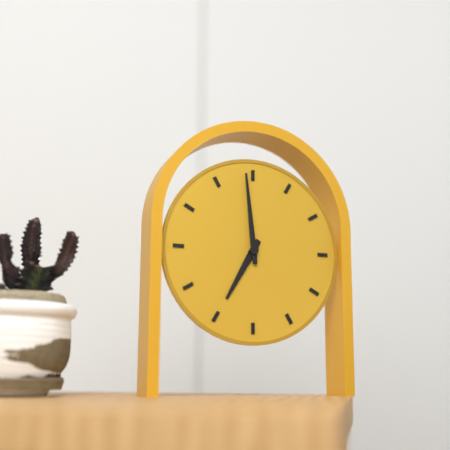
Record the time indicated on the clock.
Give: 6:59
